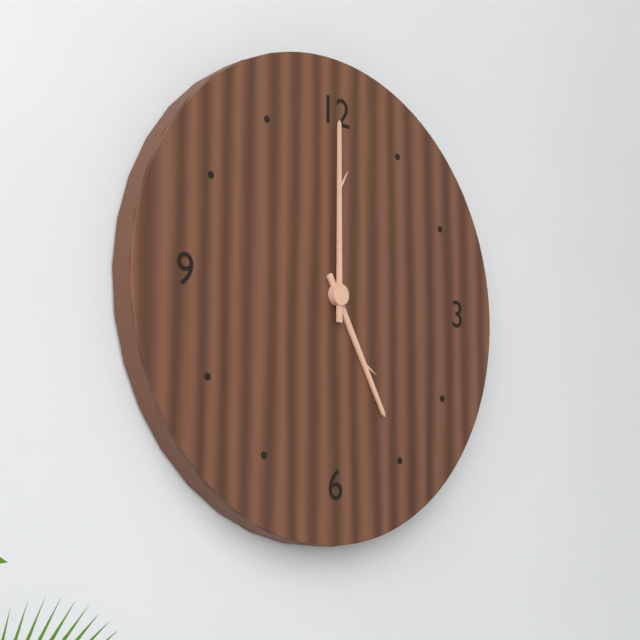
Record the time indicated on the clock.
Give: 5:00
